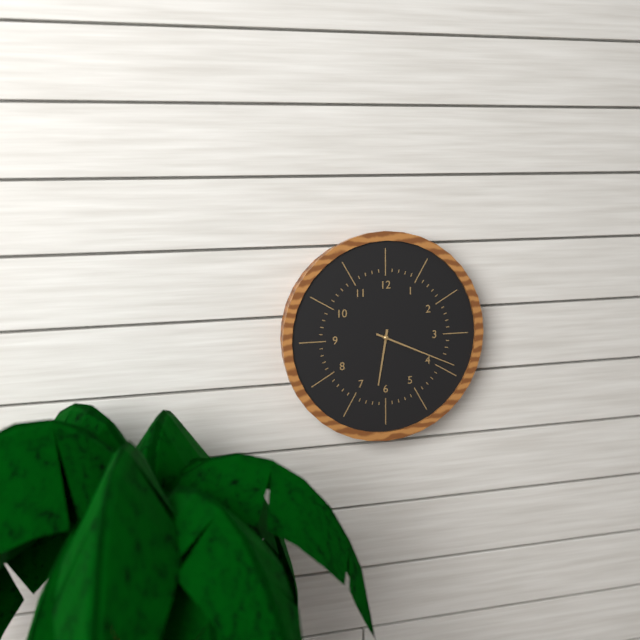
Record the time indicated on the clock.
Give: 6:19
